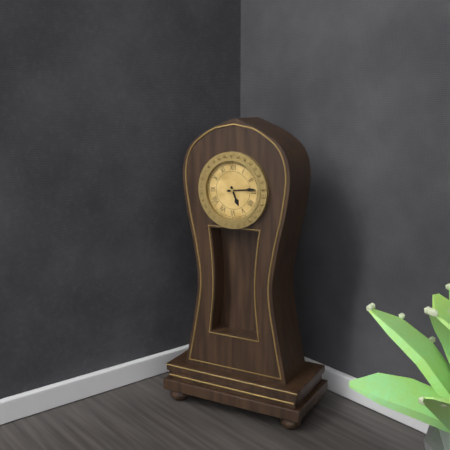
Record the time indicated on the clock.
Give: 5:14
